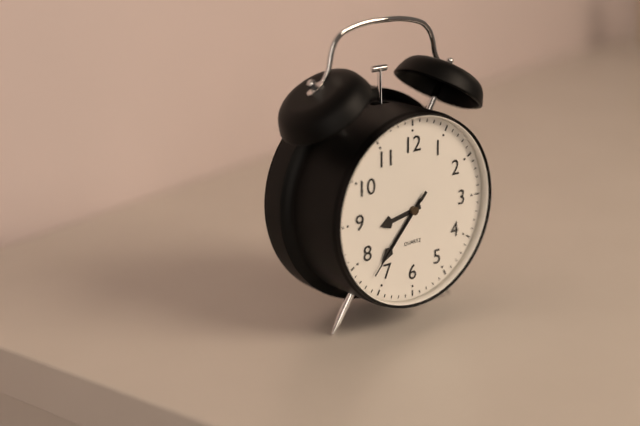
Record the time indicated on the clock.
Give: 8:37:37
